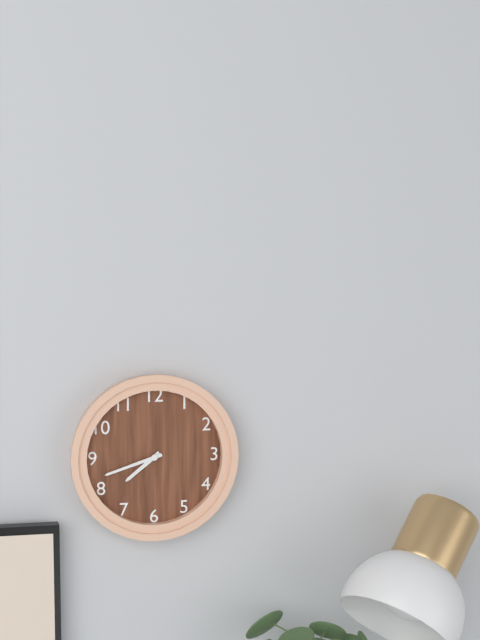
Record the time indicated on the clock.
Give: 7:42
